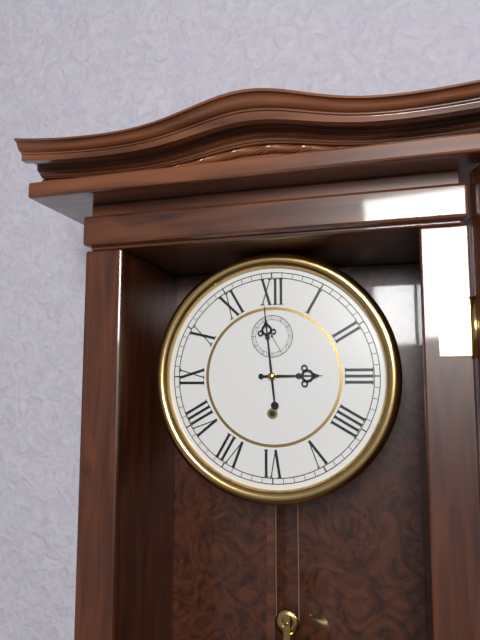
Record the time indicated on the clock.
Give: 2:59
